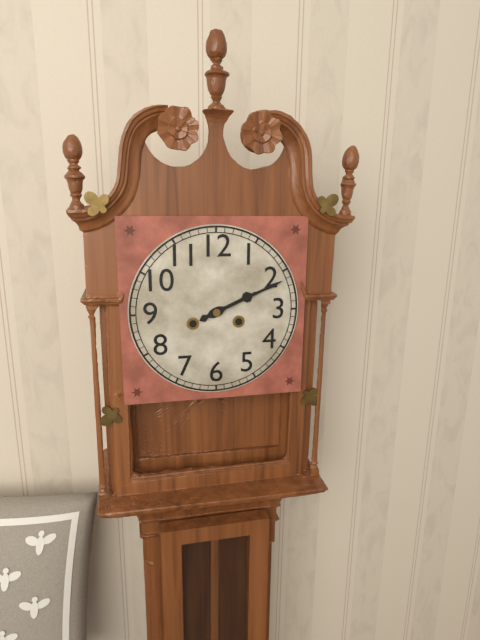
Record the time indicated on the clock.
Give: 2:11
